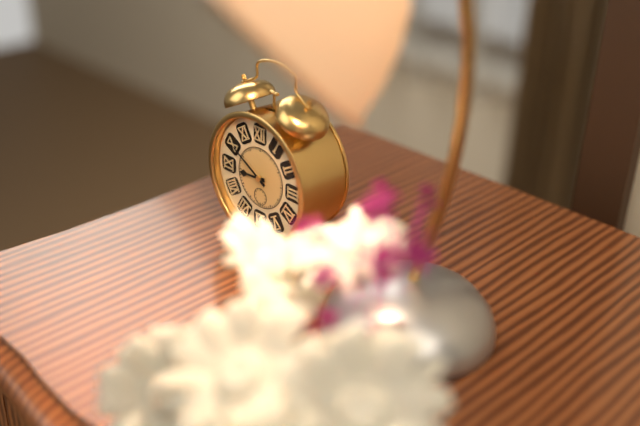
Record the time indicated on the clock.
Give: 8:50
